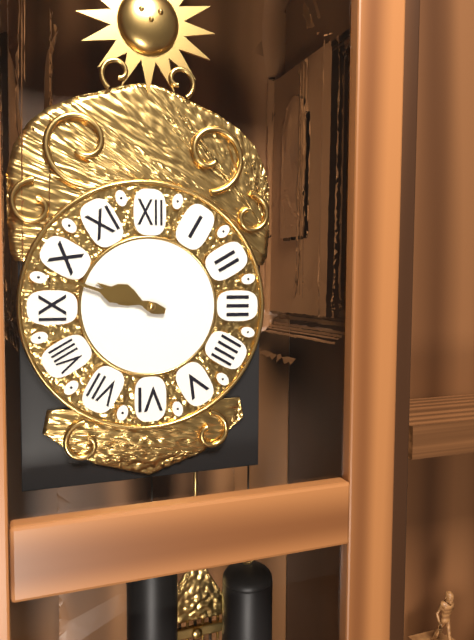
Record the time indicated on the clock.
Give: 9:48
